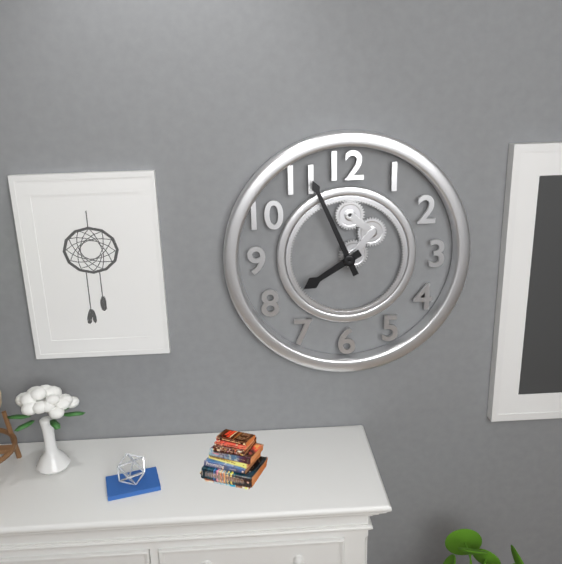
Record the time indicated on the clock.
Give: 7:56
